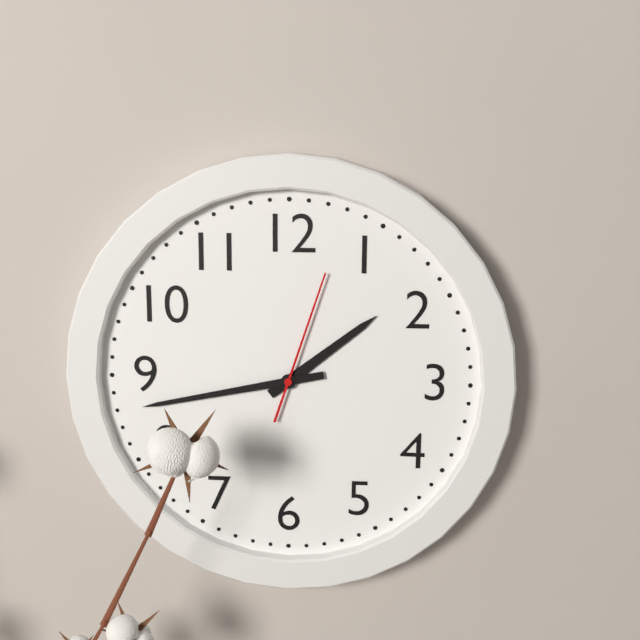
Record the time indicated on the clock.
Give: 1:43:03
